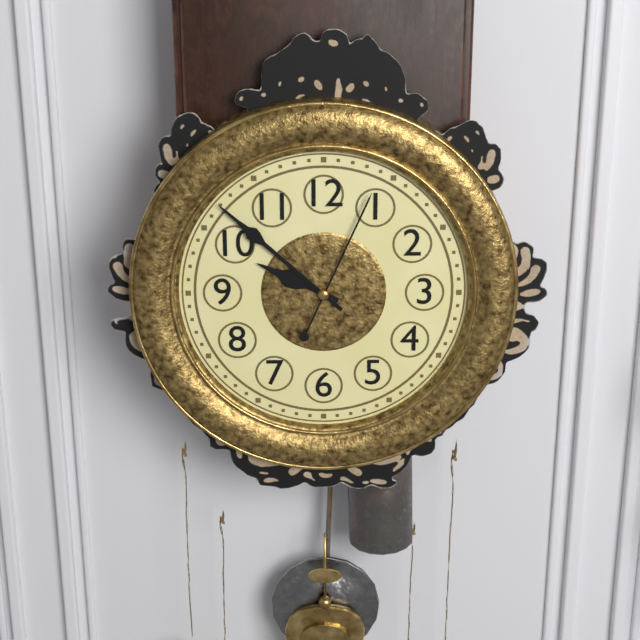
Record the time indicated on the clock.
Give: 9:52:04
